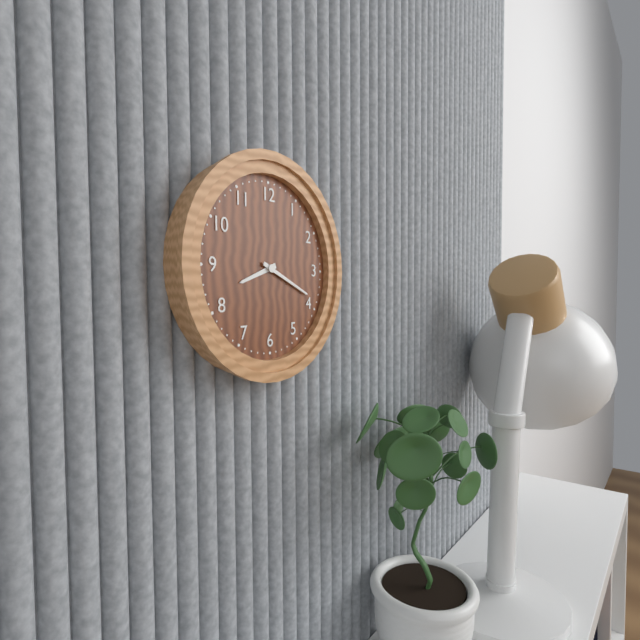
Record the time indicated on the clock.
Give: 8:19
